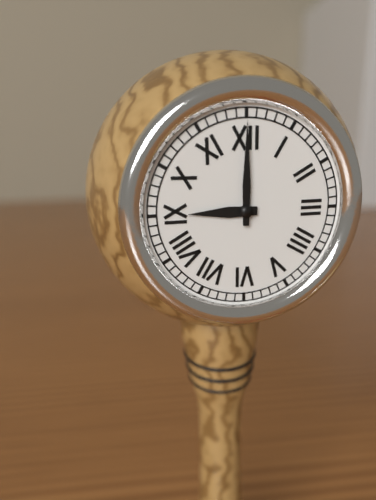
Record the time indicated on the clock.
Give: 9:00
